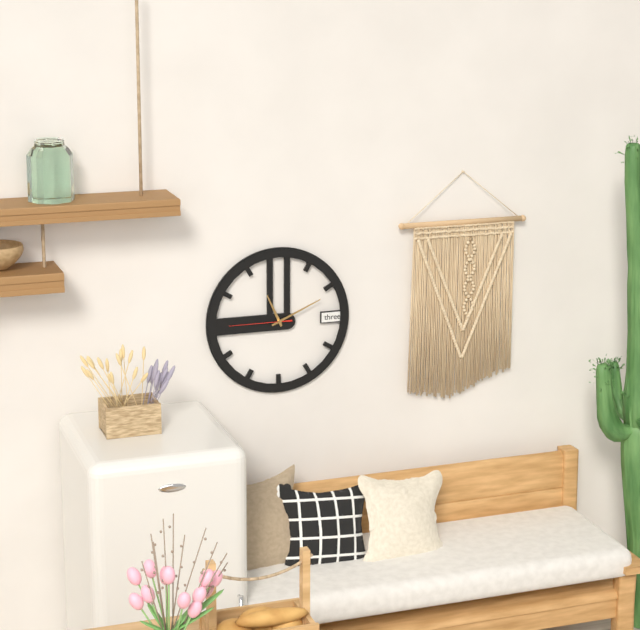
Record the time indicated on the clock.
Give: 11:11:45
